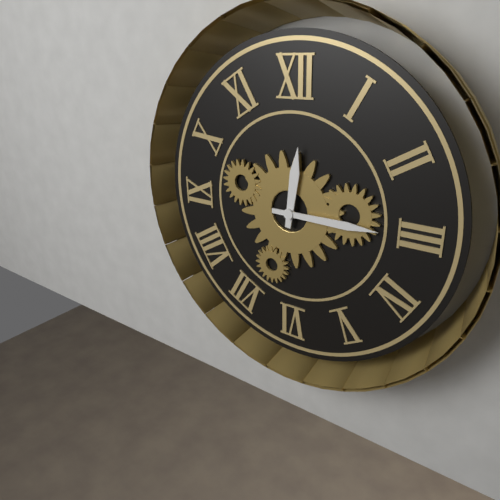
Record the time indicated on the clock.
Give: 12:15
